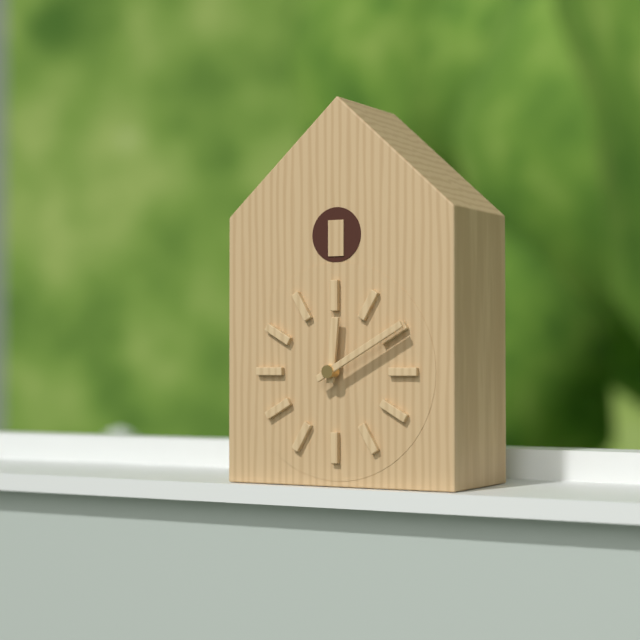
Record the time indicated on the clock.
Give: 12:10
